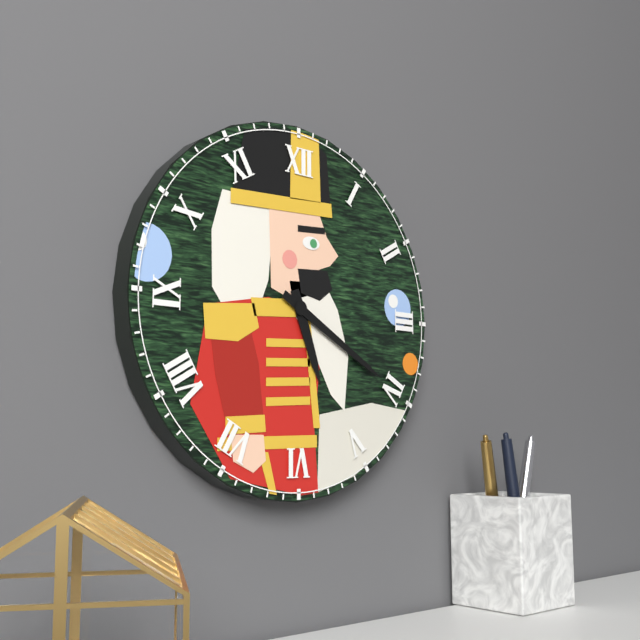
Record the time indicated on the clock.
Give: 5:20
